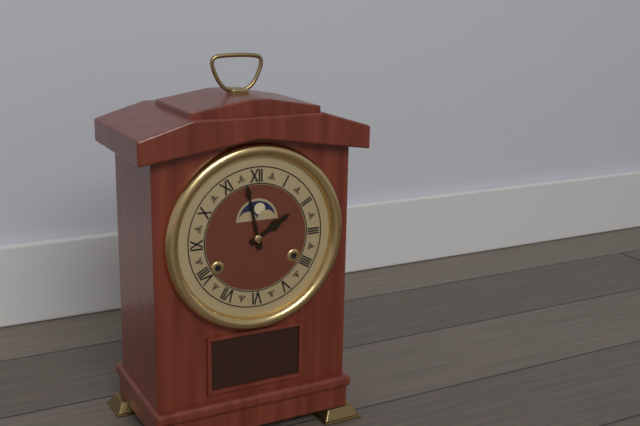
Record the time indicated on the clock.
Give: 1:58
